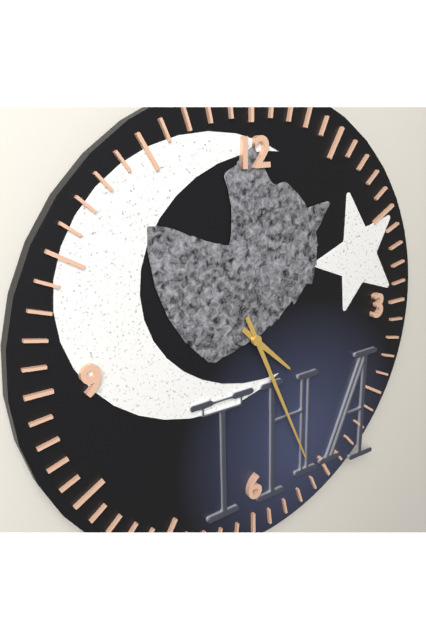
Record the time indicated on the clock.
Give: 4:26
